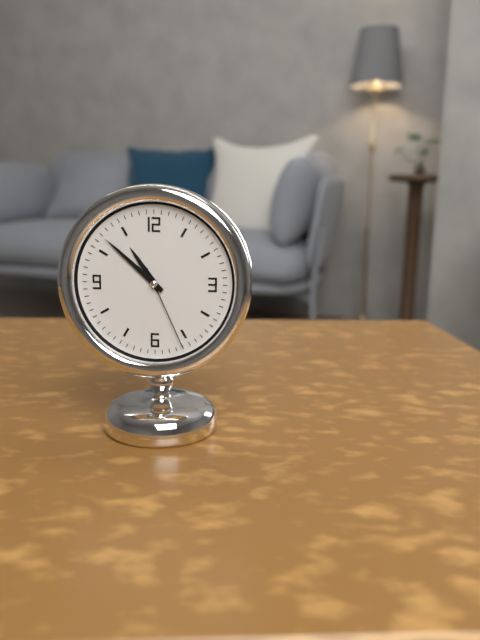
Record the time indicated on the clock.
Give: 10:52:26
